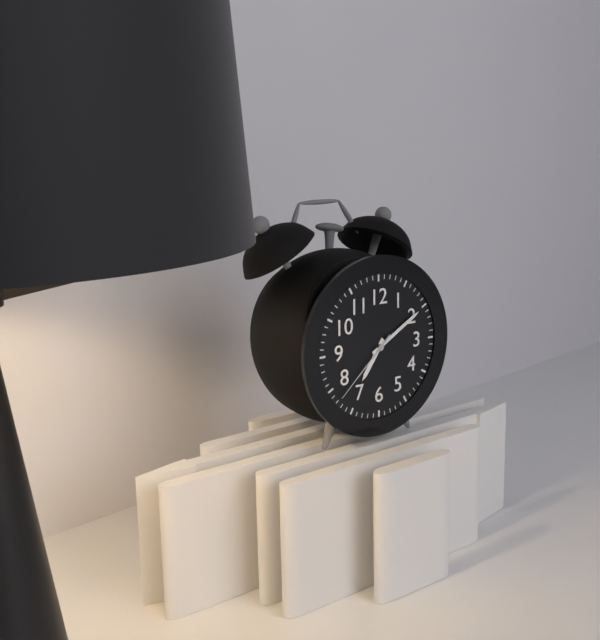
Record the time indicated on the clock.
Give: 7:10:38
